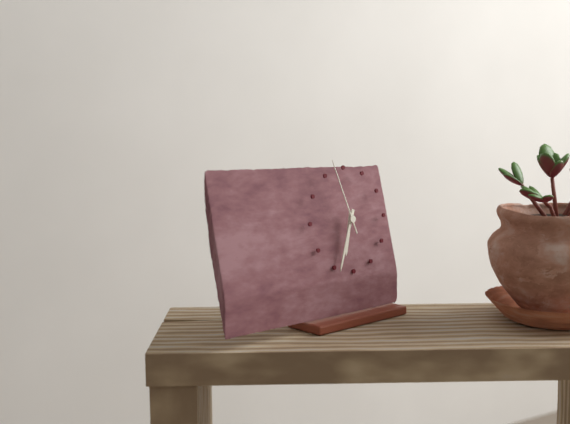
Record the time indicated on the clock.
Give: 6:34:57
